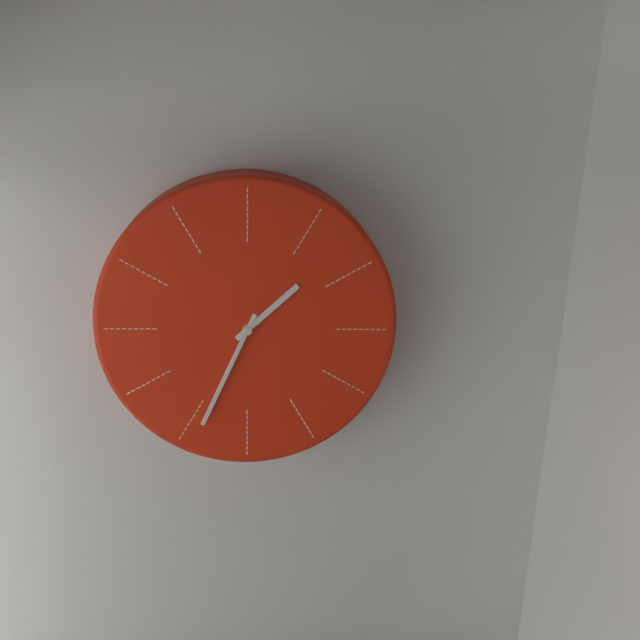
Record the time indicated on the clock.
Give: 1:34
